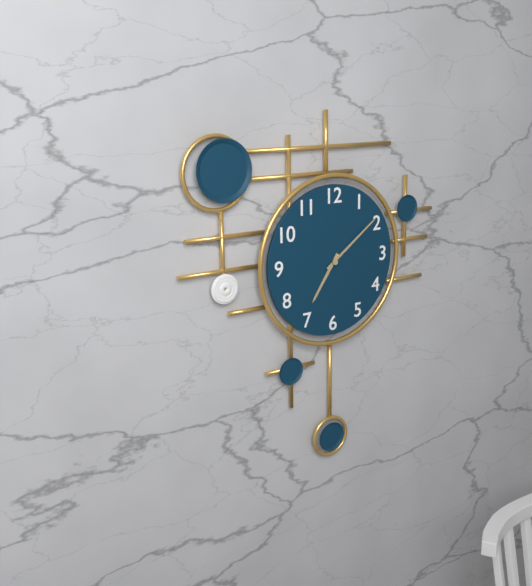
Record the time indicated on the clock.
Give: 7:09
